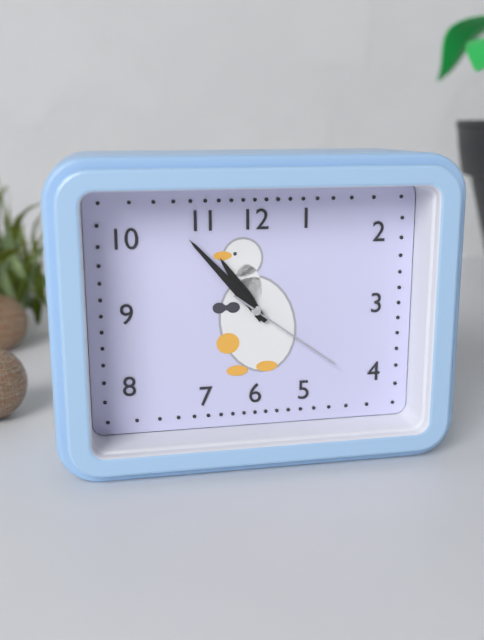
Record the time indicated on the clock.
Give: 10:53:21
